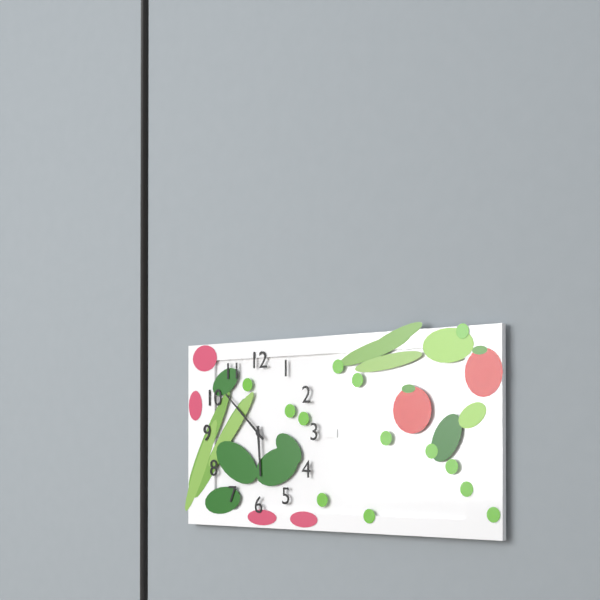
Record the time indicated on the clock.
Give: 5:52
